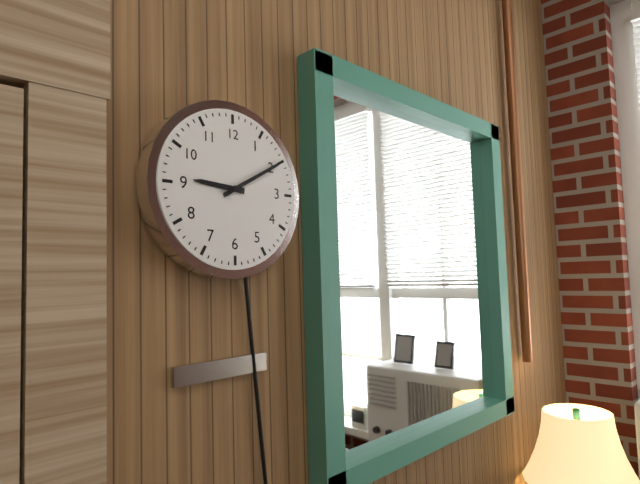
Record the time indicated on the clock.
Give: 9:10
